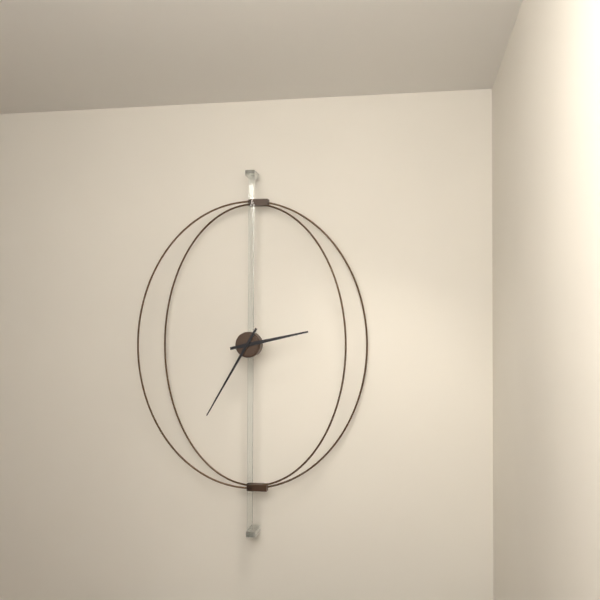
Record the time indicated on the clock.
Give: 2:35
